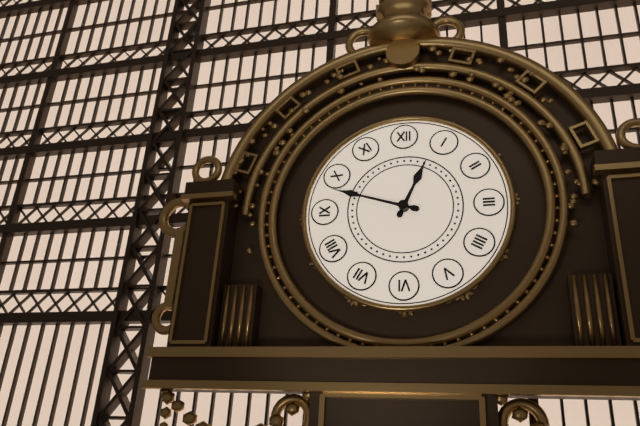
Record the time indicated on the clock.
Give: 12:48
